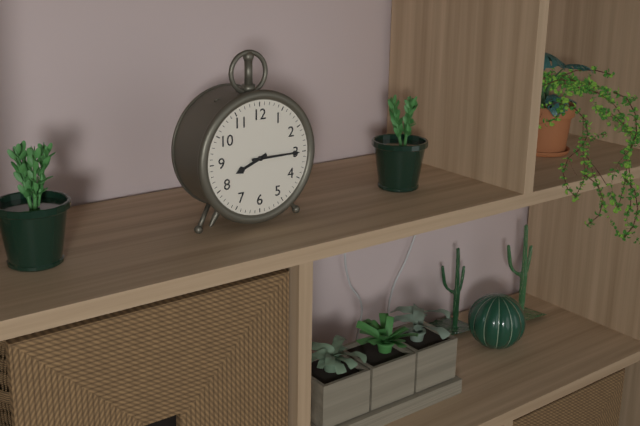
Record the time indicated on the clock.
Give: 8:15
